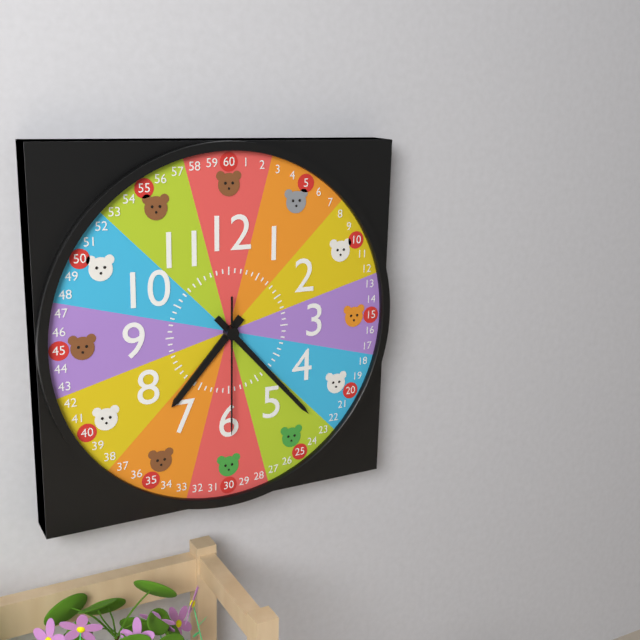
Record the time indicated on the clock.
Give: 7:23:30
